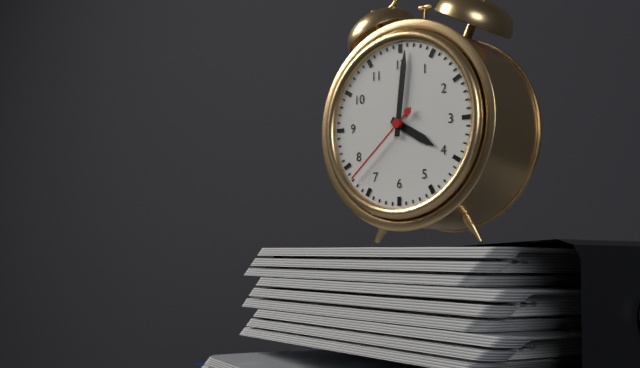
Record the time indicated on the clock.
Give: 4:01:38
